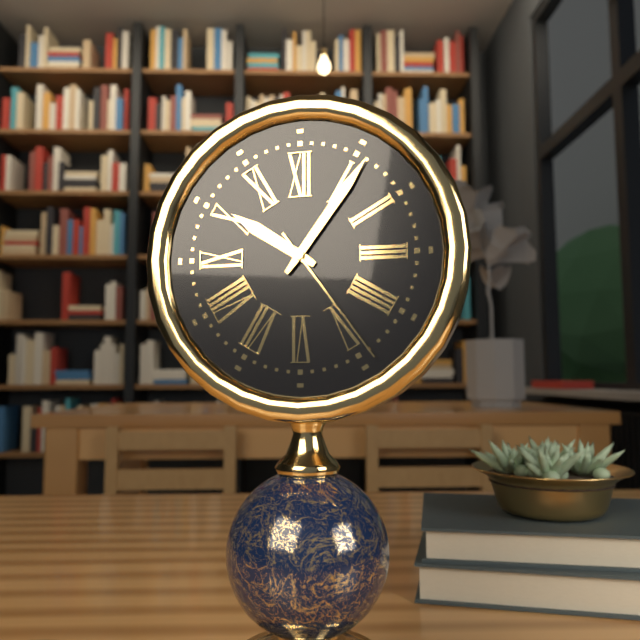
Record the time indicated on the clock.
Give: 10:06:24
